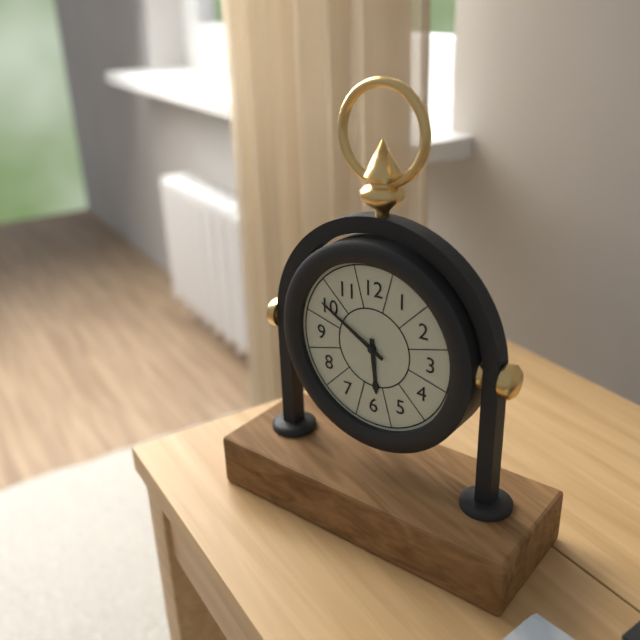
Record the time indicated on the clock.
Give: 5:50
